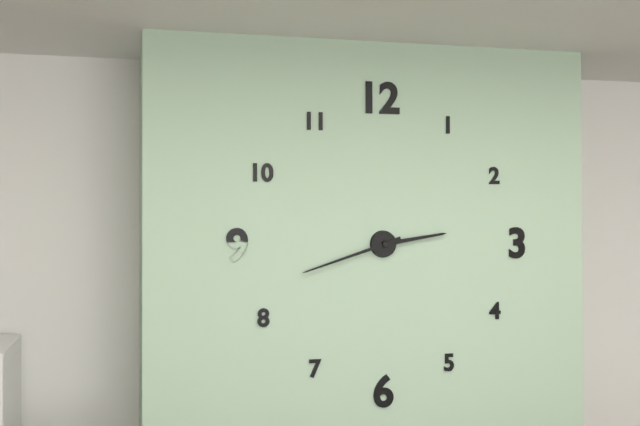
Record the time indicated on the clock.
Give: 2:42
